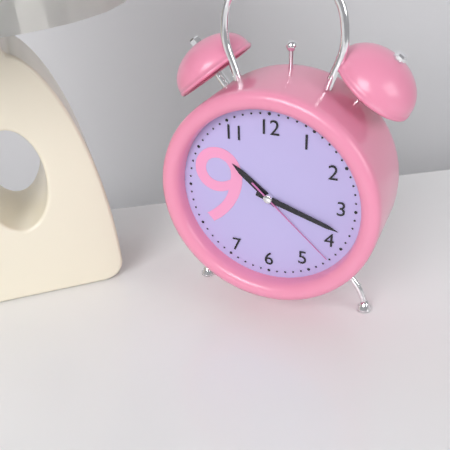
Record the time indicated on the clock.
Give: 10:18:22
